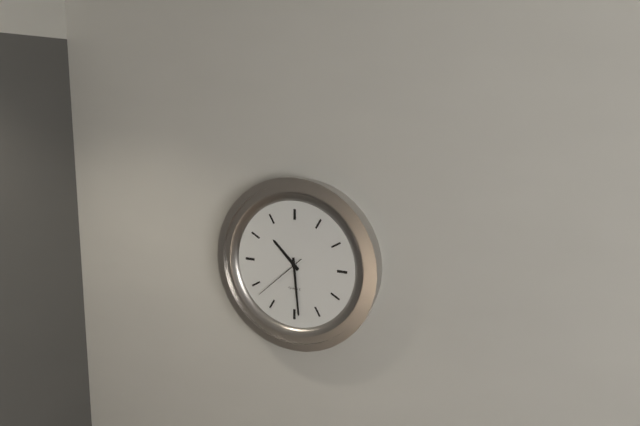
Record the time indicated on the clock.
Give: 10:29:38
